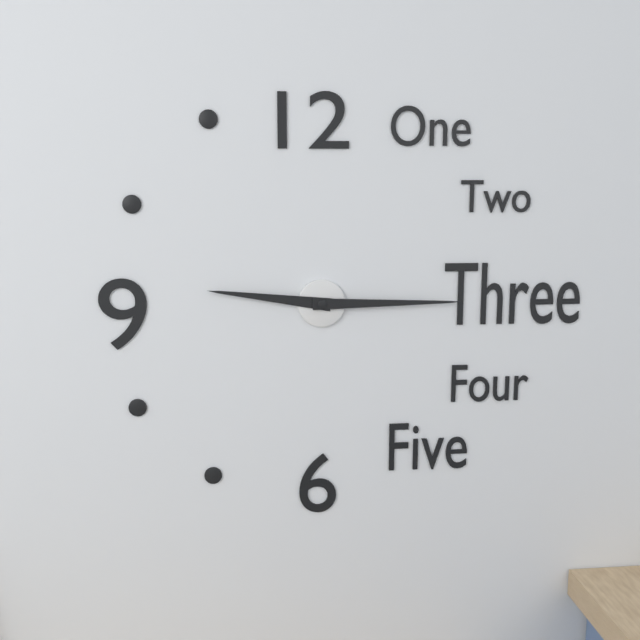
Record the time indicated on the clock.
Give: 9:15
